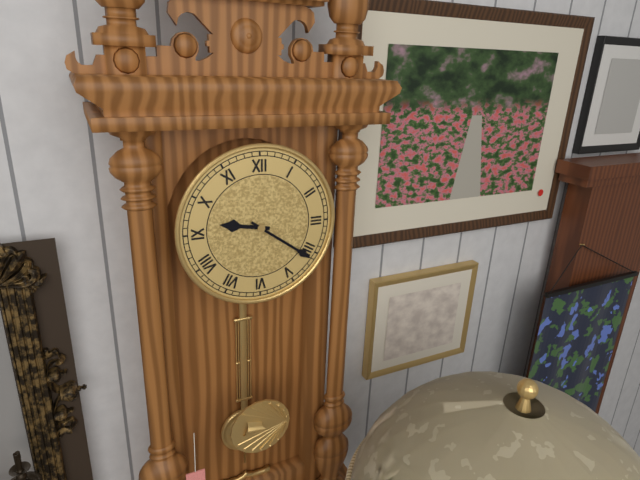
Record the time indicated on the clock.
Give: 9:21
